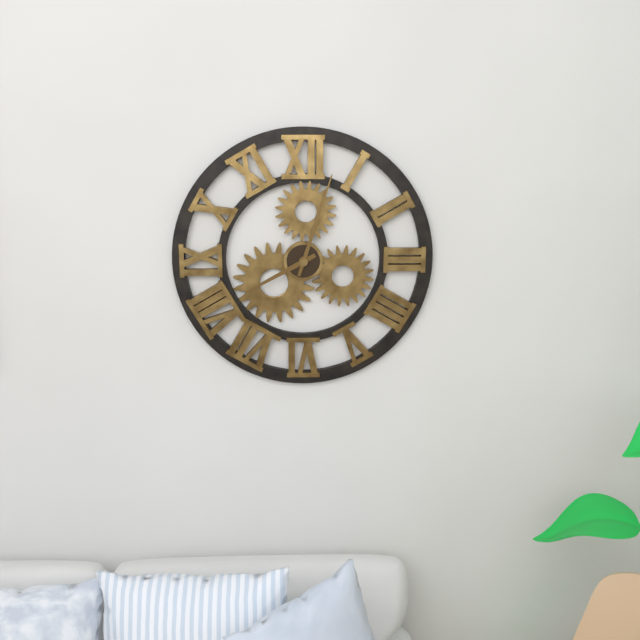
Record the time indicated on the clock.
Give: 8:03
